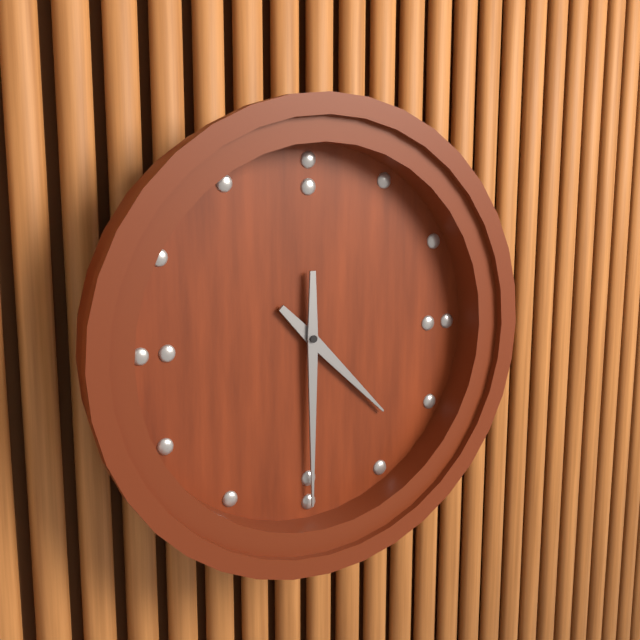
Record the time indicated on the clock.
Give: 4:30
